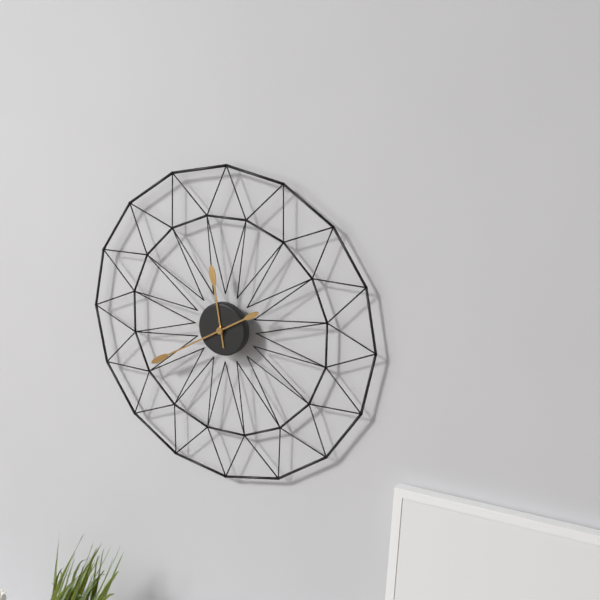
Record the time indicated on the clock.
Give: 11:40
